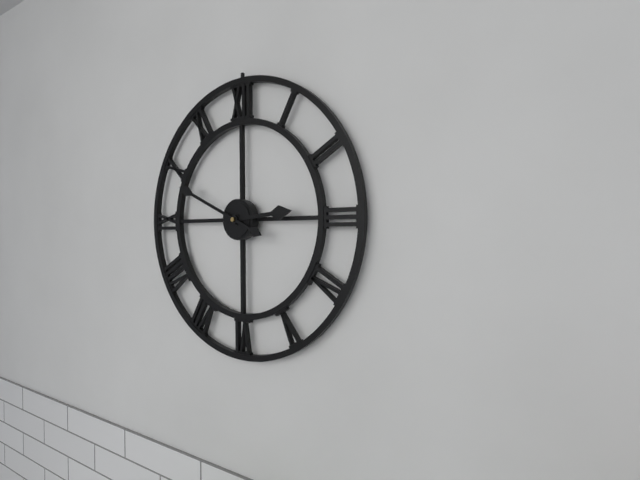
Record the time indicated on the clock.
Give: 2:49
